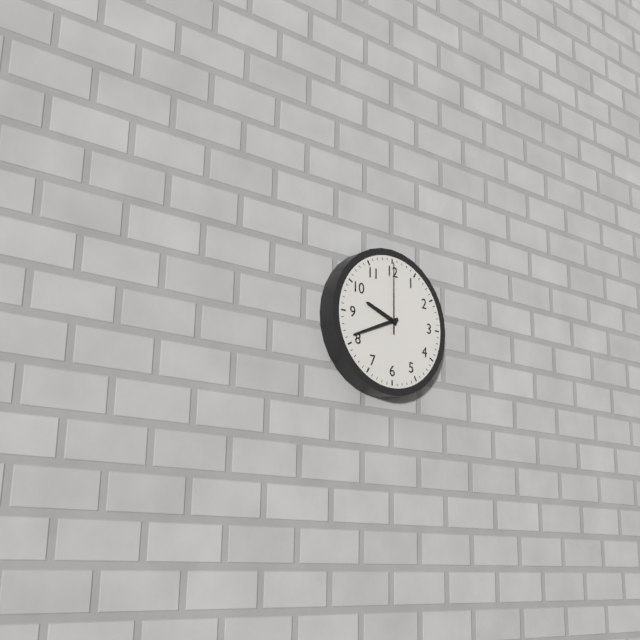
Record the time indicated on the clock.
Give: 9:41:00
